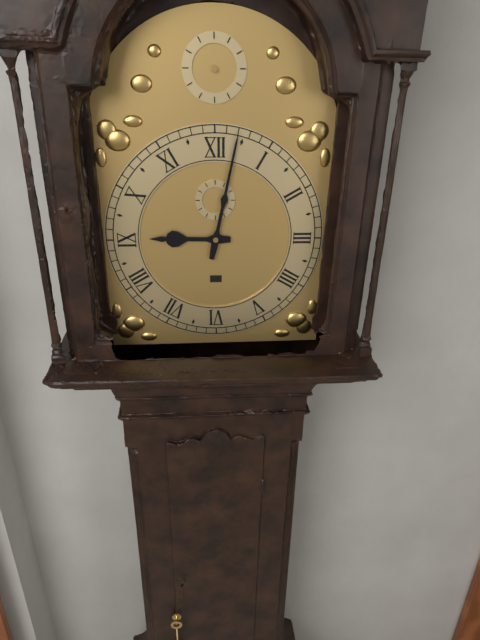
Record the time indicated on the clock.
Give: 9:02
